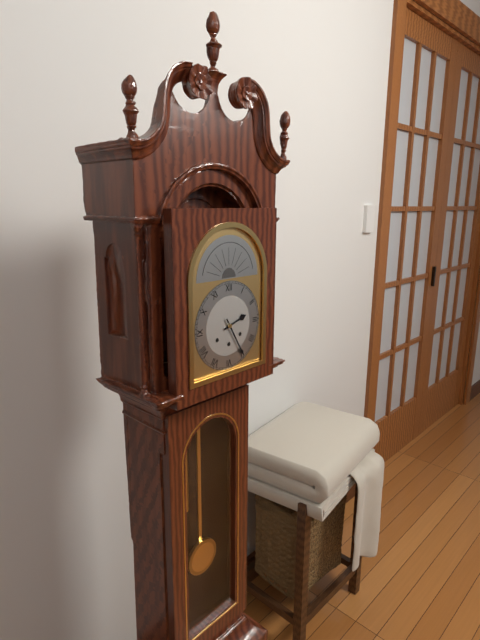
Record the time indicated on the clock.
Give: 2:25
